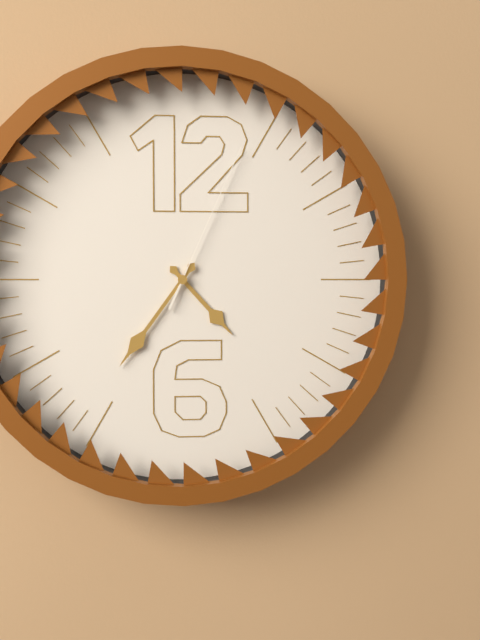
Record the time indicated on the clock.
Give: 4:36:04
